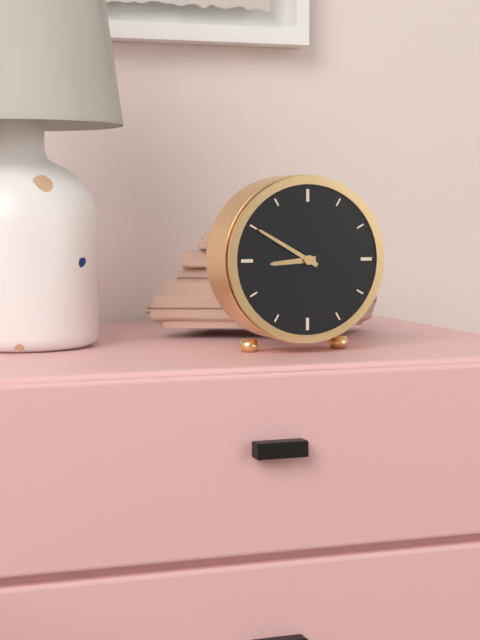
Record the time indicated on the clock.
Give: 8:50
